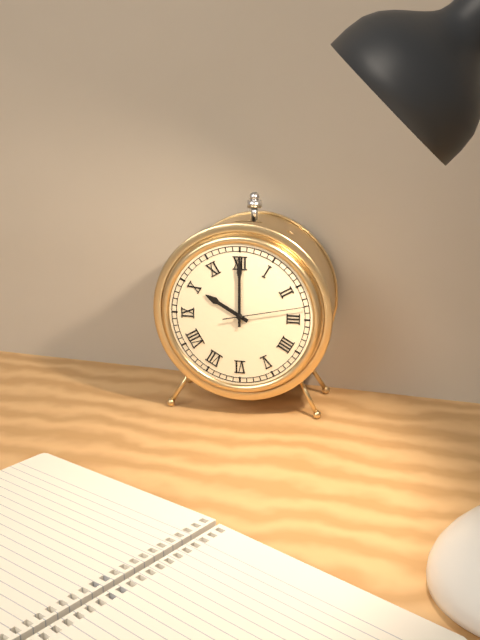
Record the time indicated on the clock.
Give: 10:00:13
